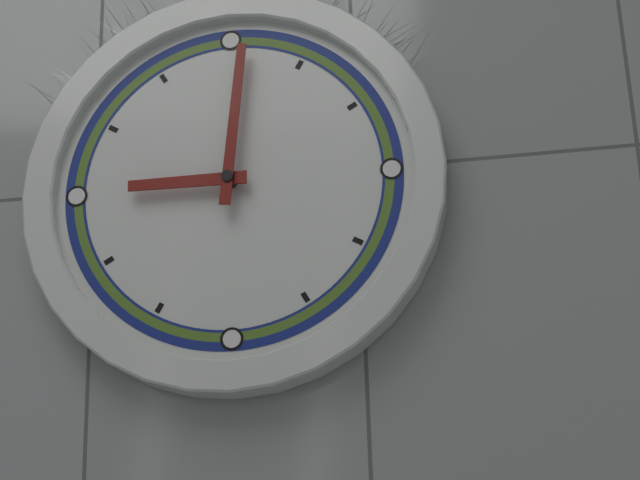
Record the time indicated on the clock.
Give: 9:01
